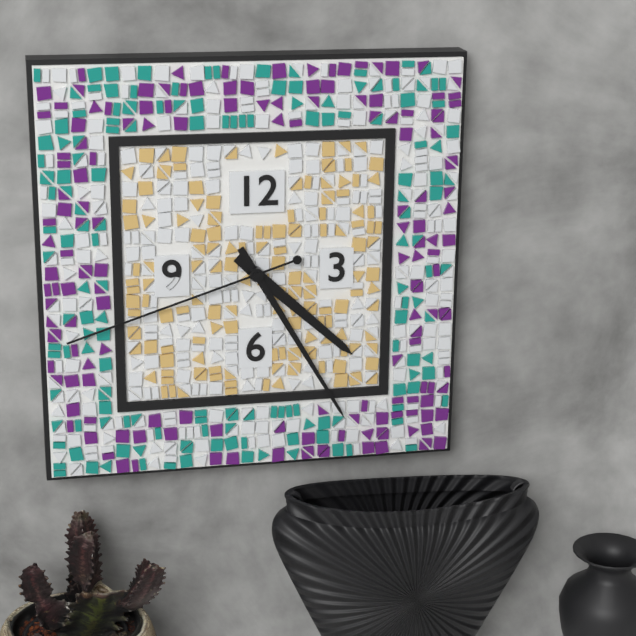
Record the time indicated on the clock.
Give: 4:25:42
